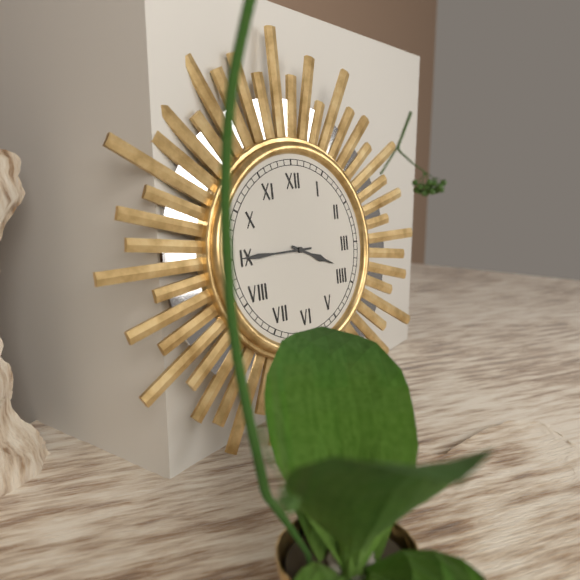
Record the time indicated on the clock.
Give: 3:45
